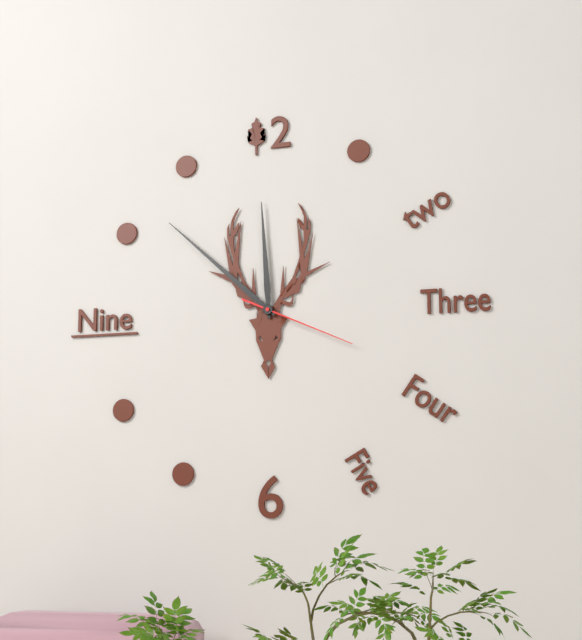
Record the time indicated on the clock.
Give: 11:52:19
